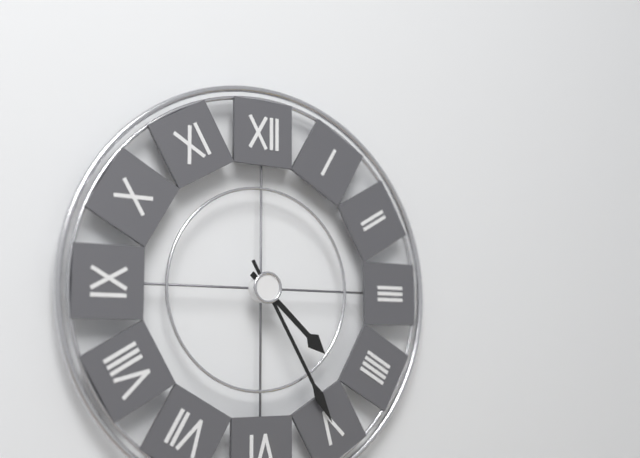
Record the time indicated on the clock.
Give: 4:25
